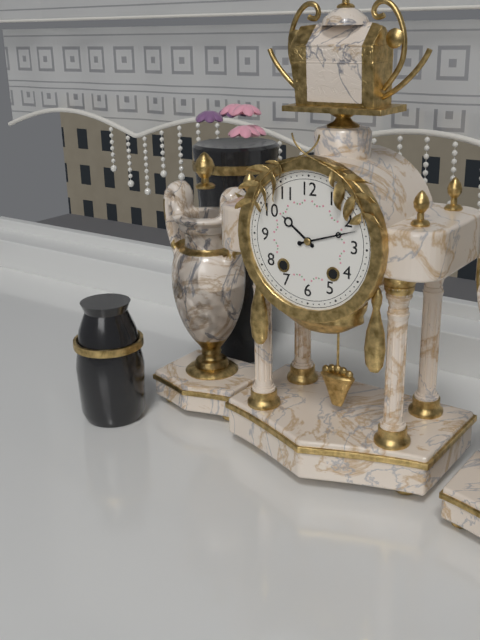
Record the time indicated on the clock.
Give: 10:12
